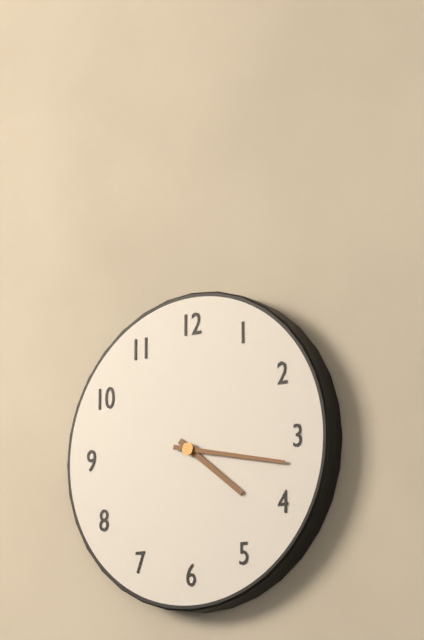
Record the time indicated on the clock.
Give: 4:17
